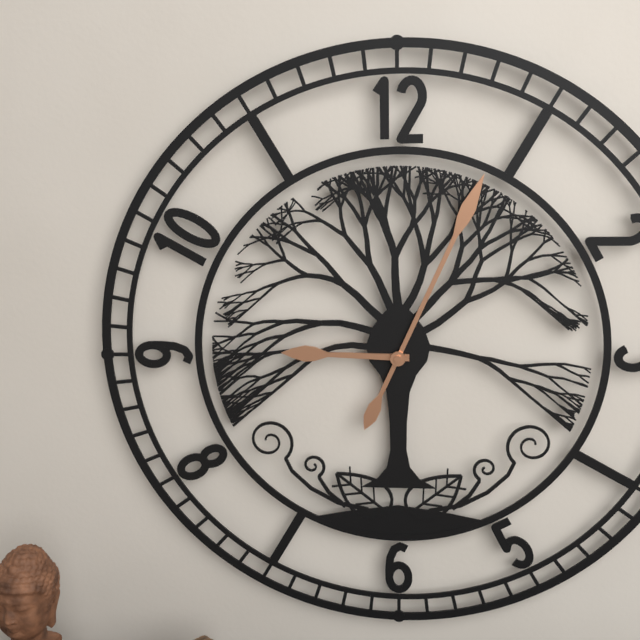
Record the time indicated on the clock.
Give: 9:04
